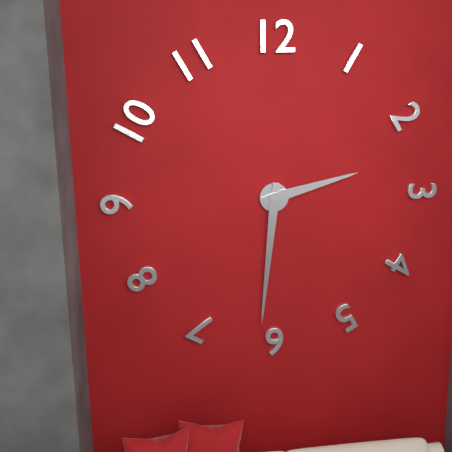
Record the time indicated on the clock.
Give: 2:31
